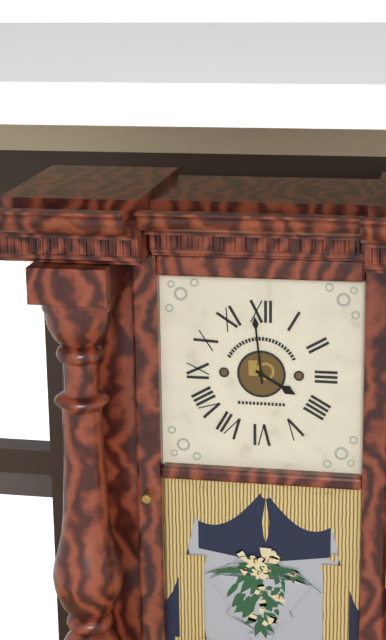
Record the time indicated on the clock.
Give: 3:59
